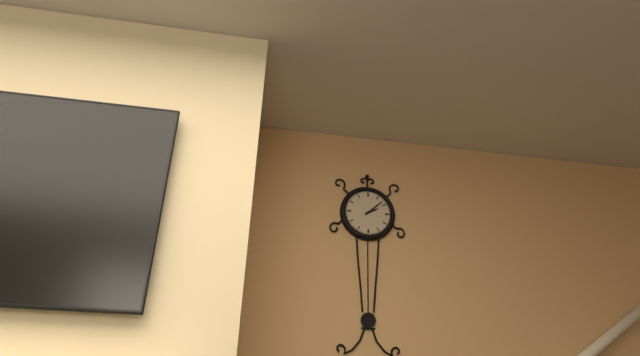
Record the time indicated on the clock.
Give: 2:08
